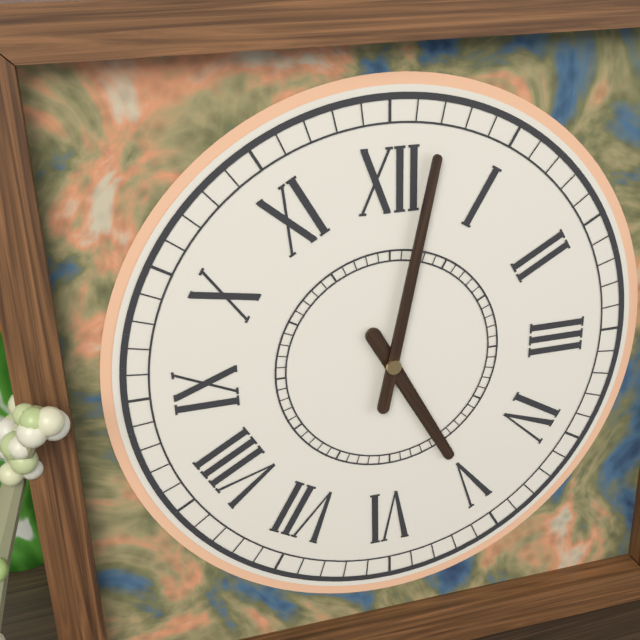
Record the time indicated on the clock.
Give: 5:02
